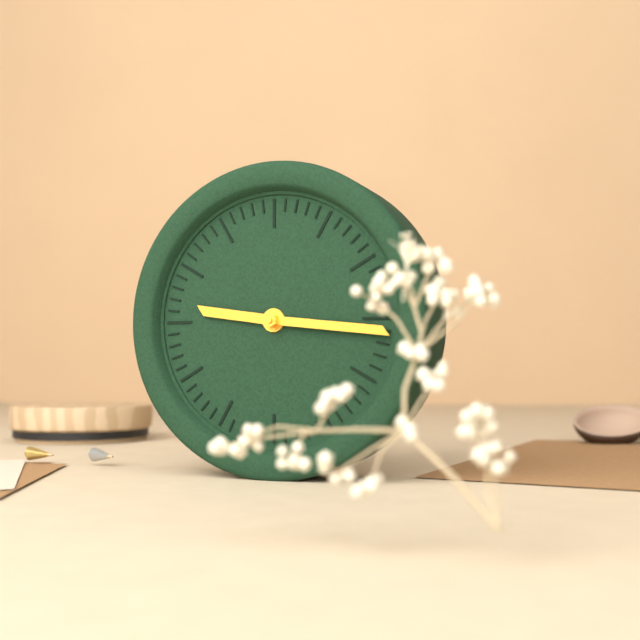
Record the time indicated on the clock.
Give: 9:16
